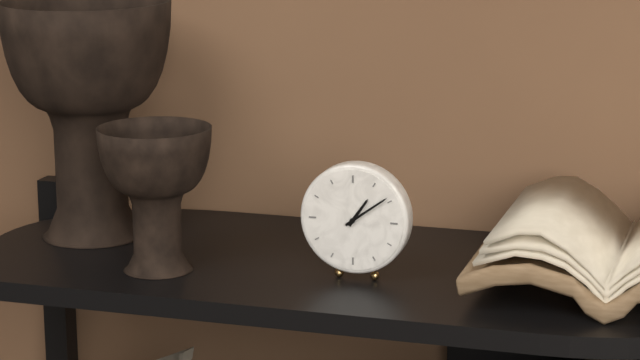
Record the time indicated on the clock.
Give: 1:09
